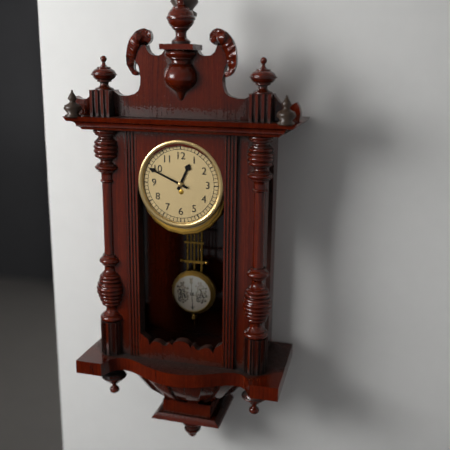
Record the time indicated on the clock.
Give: 12:49
